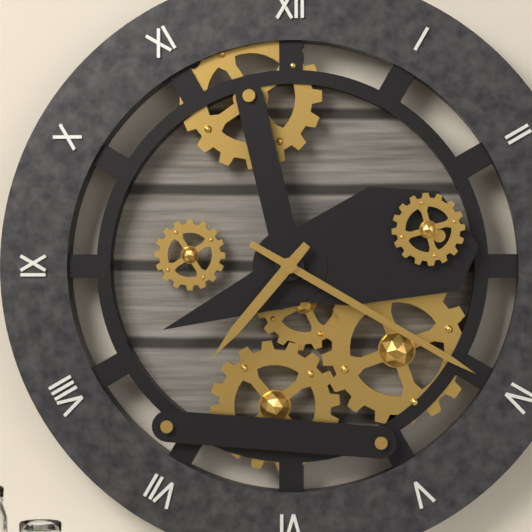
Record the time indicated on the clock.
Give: 7:20
